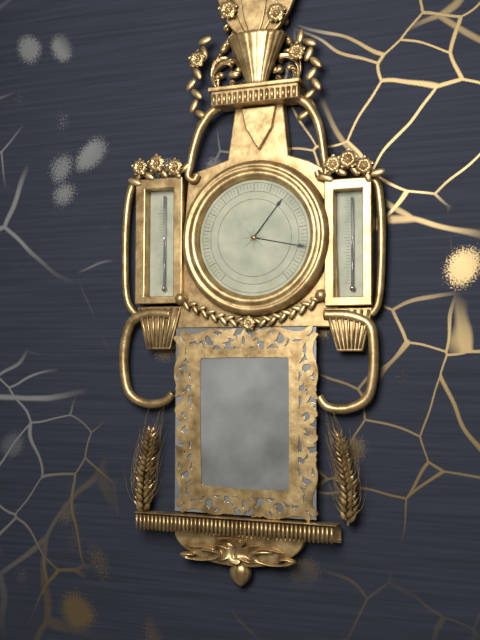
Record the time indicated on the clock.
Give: 1:17
